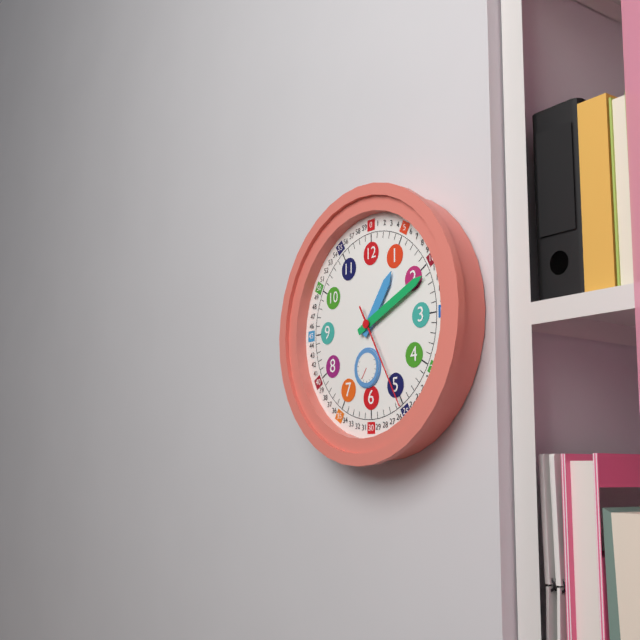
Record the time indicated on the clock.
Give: 1:11:25
